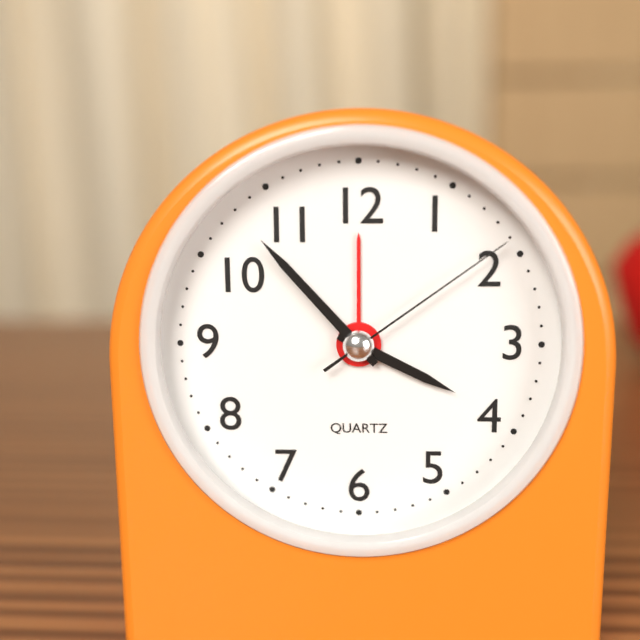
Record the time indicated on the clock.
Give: 3:53:09
